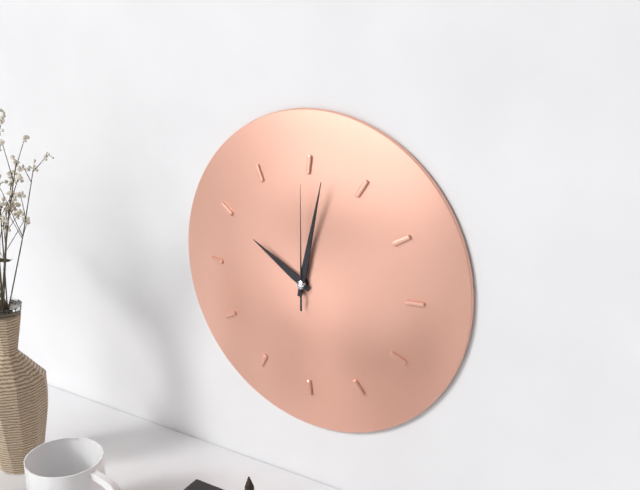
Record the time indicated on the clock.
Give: 10:02:00
